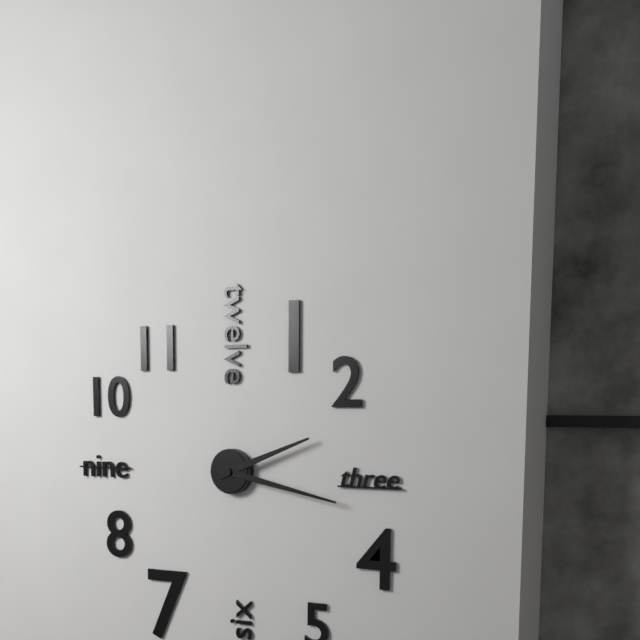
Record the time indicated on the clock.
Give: 2:17
